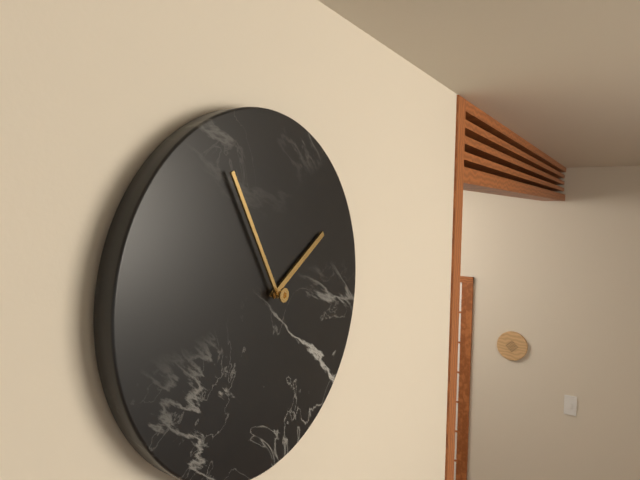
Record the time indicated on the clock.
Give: 1:55
